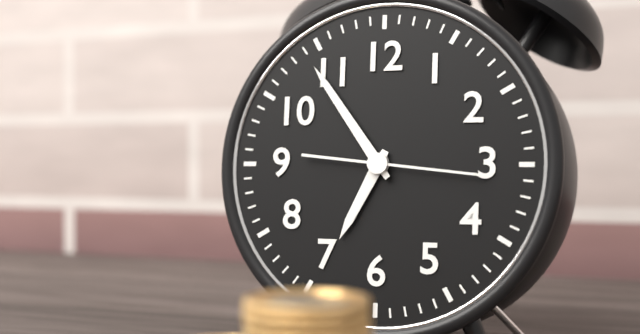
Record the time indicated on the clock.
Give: 6:54:16
